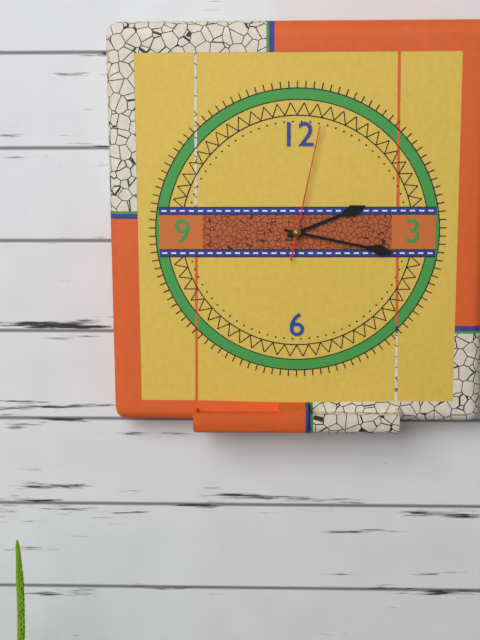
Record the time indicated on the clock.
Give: 2:17:02
